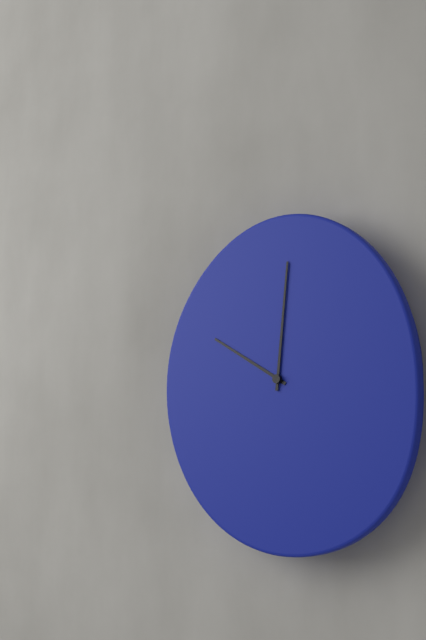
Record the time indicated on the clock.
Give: 10:01
